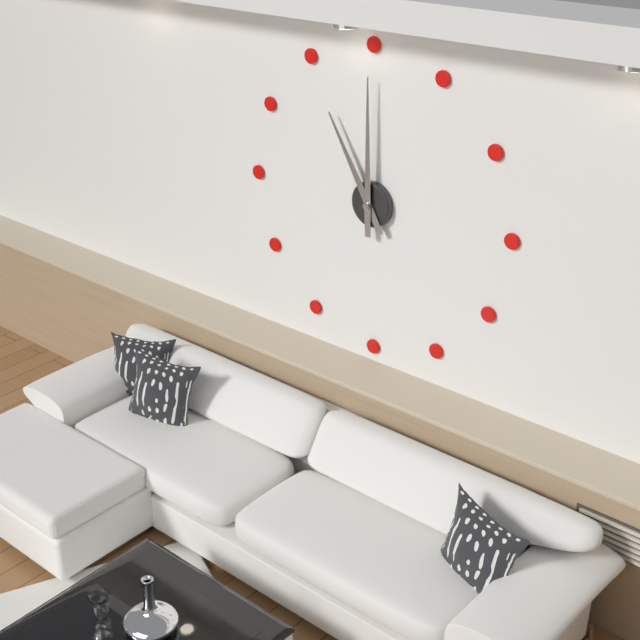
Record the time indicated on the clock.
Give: 11:00
